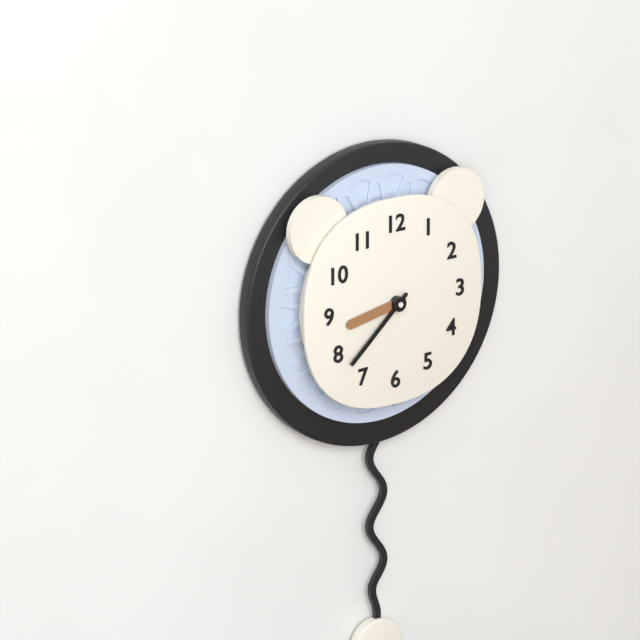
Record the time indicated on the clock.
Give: 8:38
